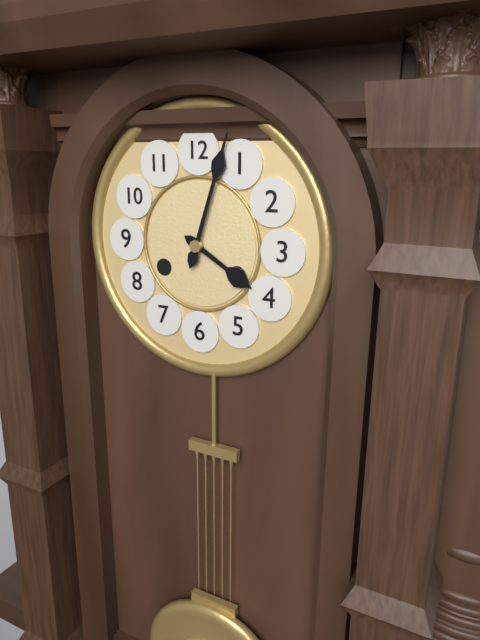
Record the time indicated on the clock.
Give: 4:03
